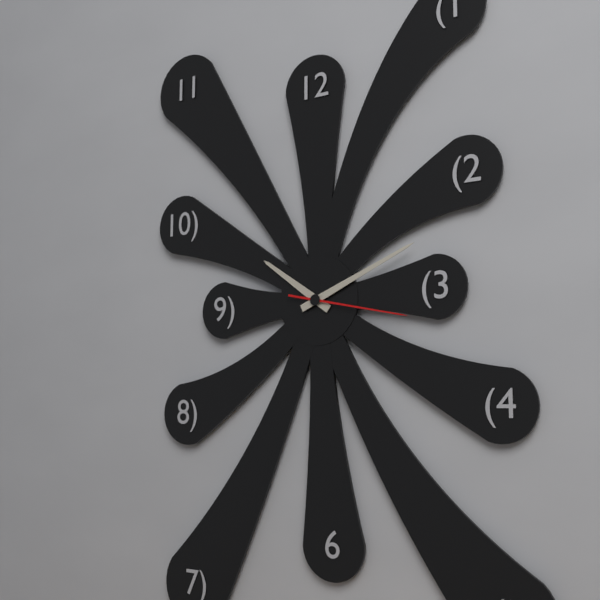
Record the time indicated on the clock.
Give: 10:11:17
